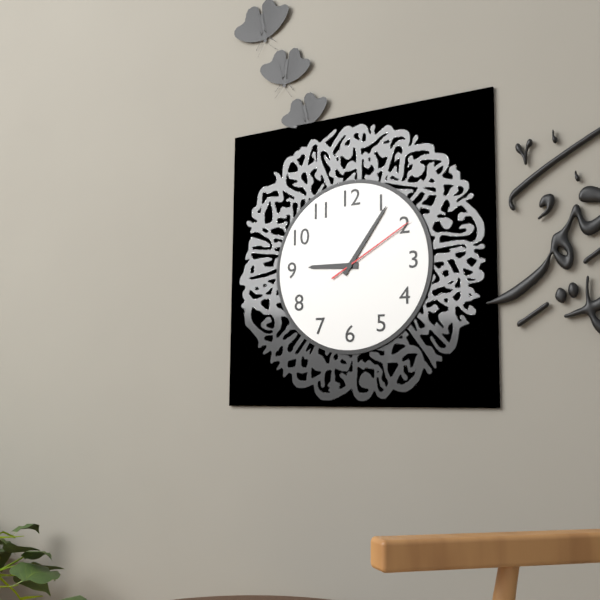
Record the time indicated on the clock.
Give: 9:06:10
